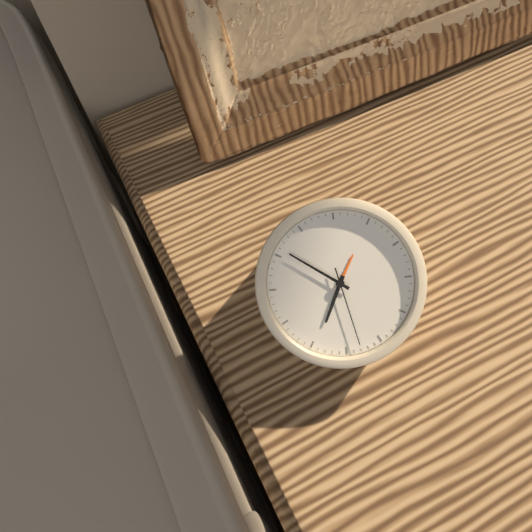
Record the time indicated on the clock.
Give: 6:51:28
